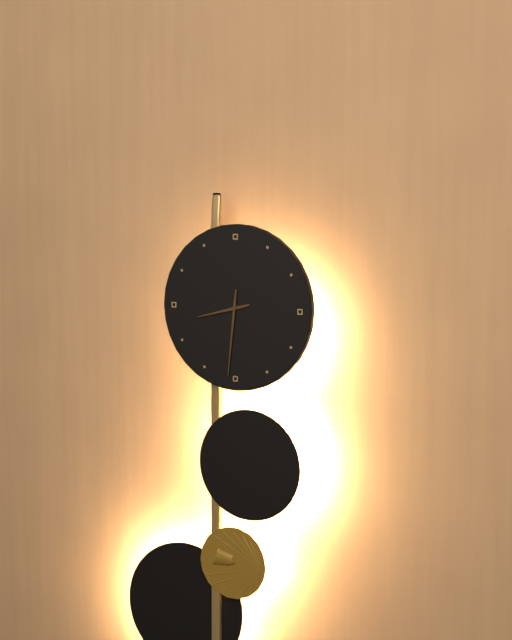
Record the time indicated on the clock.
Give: 8:31
